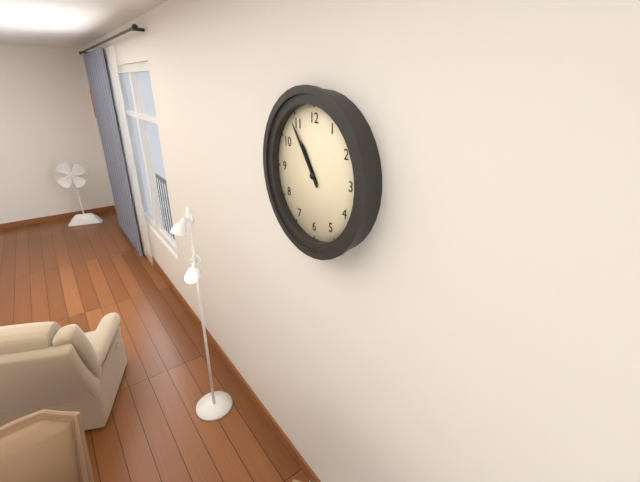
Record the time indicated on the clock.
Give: 10:54
